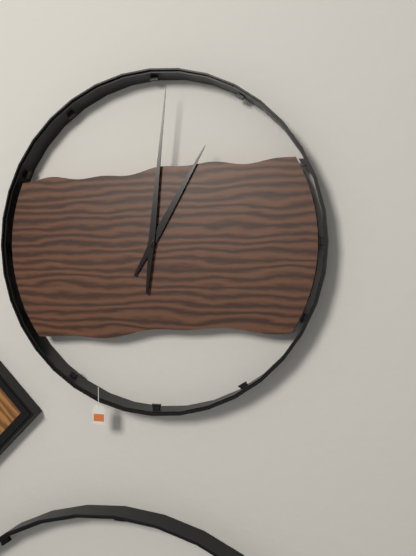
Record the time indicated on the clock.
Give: 1:01
